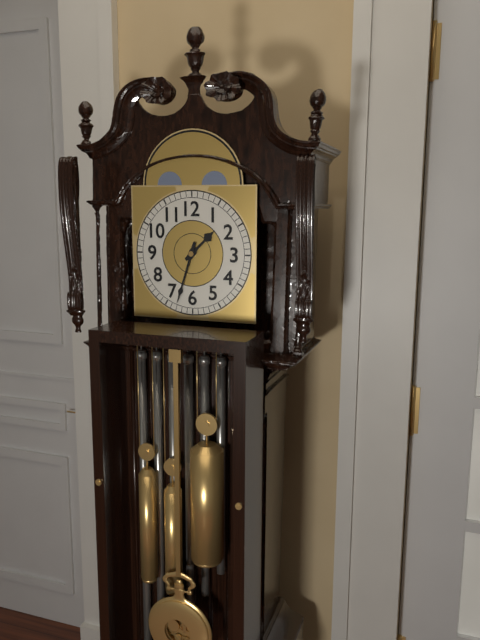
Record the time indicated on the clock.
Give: 1:33
